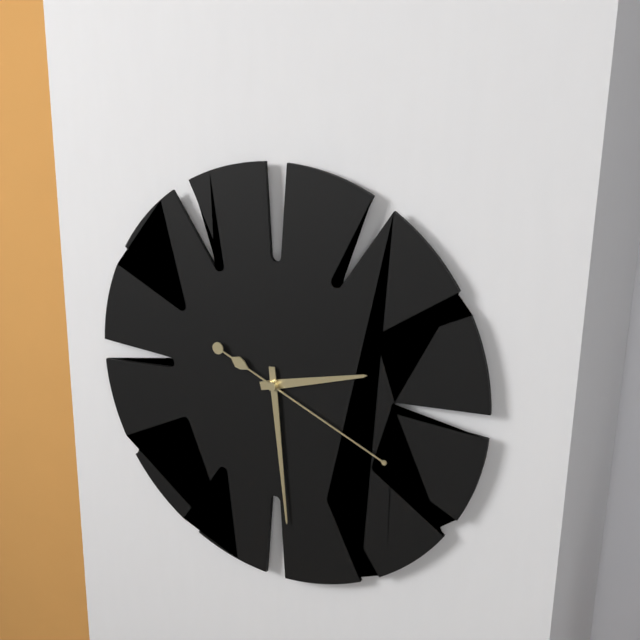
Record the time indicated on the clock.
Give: 2:29:19
